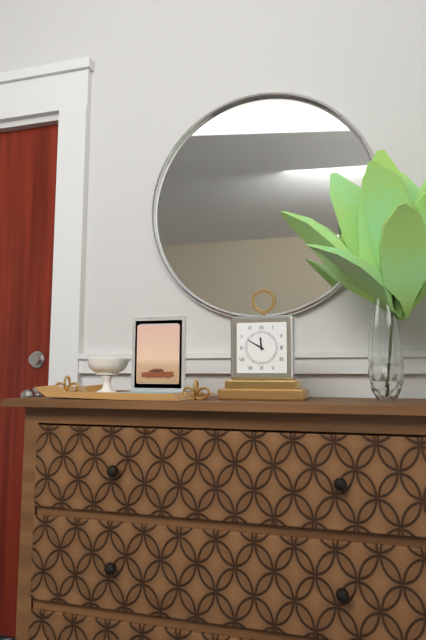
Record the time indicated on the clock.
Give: 11:50
